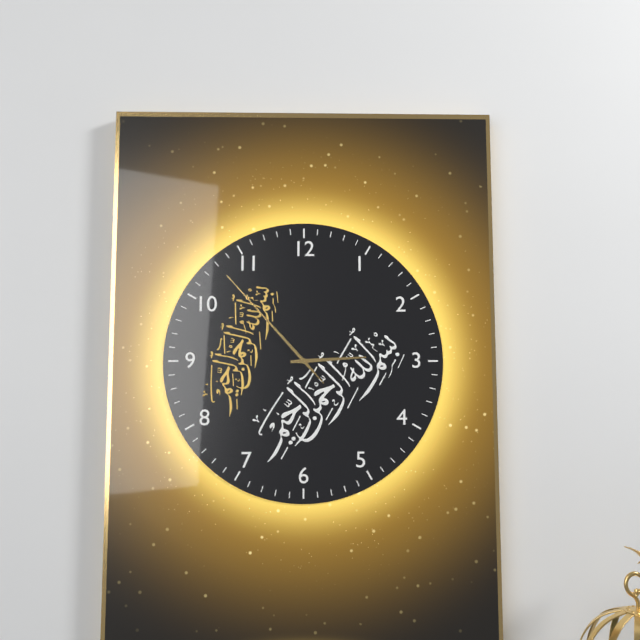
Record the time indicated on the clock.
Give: 2:53:53
